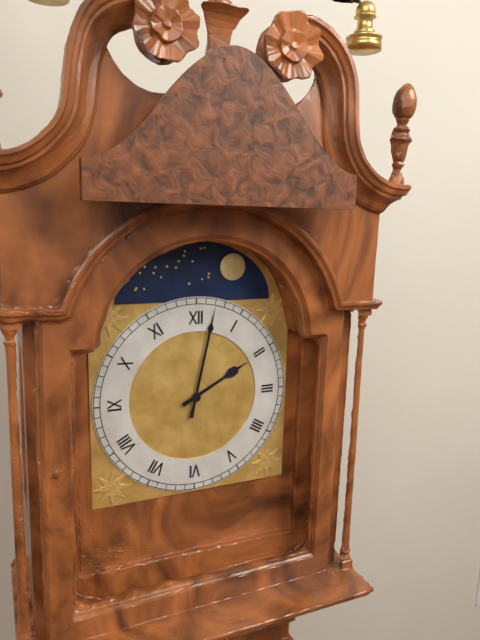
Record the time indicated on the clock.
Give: 2:02
